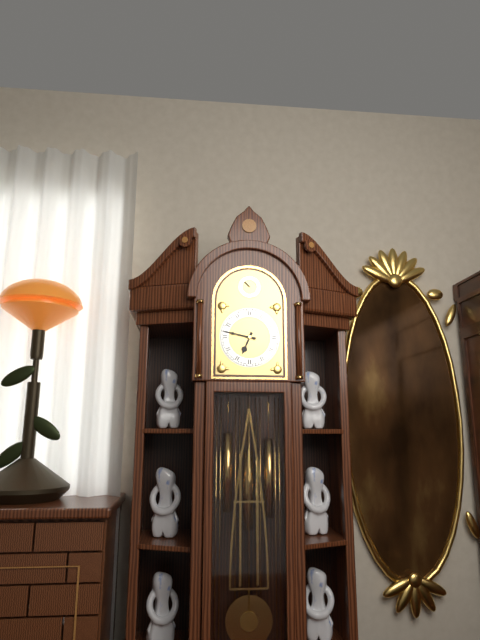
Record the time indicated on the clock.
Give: 6:47
